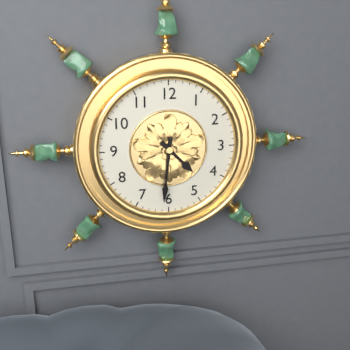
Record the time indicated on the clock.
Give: 4:31
